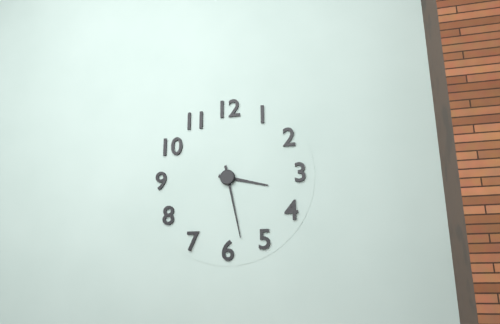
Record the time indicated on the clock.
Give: 3:28
